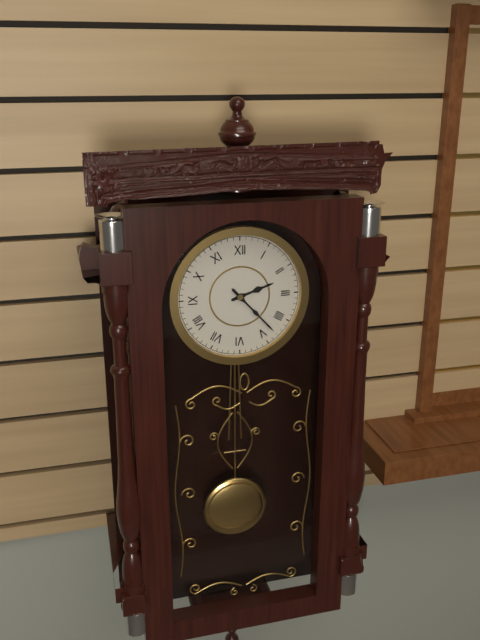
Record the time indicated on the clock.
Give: 2:23
